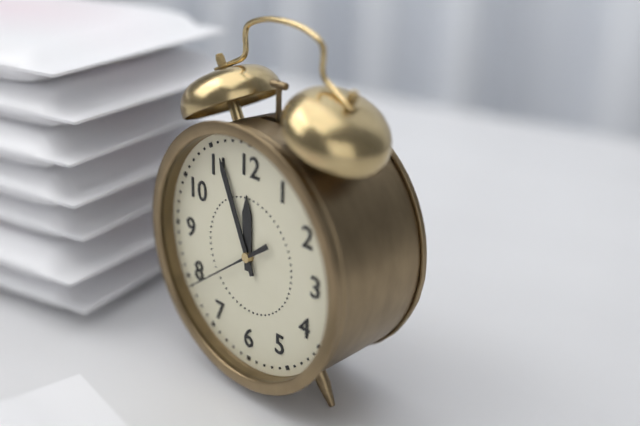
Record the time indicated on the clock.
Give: 11:56:39
